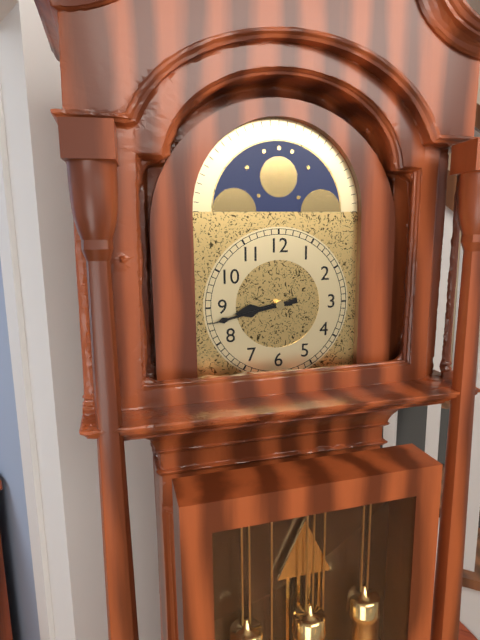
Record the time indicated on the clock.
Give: 8:43
